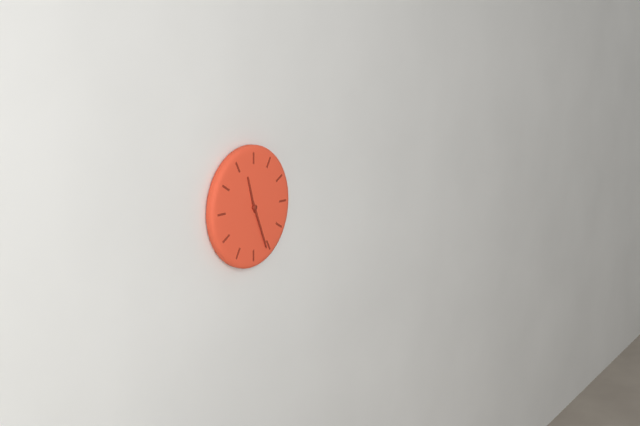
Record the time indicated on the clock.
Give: 11:26
